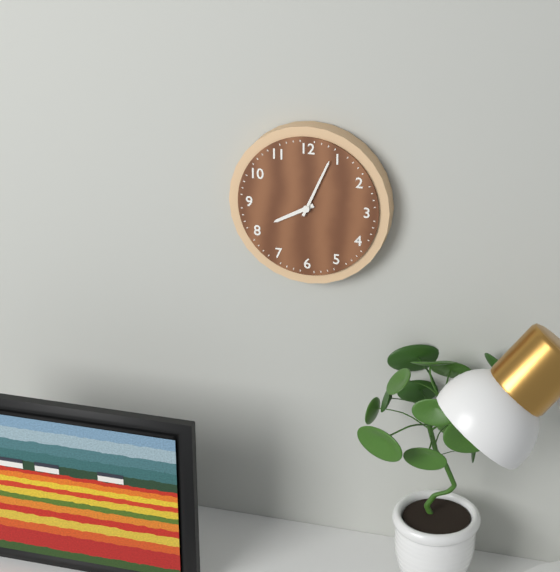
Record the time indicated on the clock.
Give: 8:04
